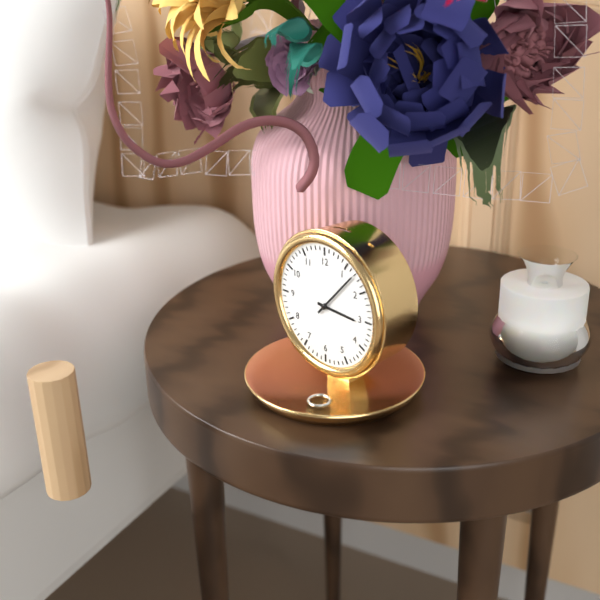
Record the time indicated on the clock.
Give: 3:07
